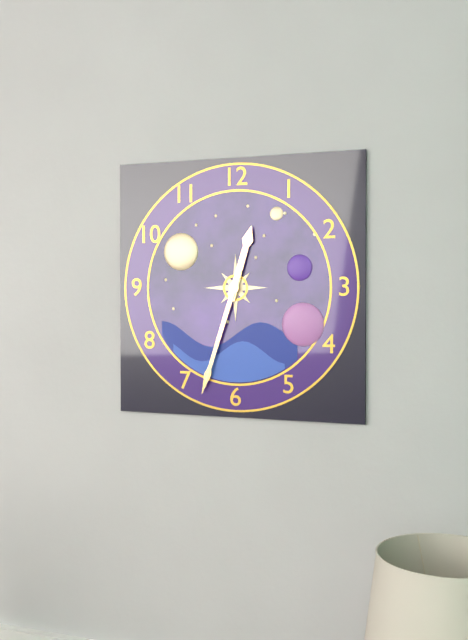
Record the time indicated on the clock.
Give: 12:33
